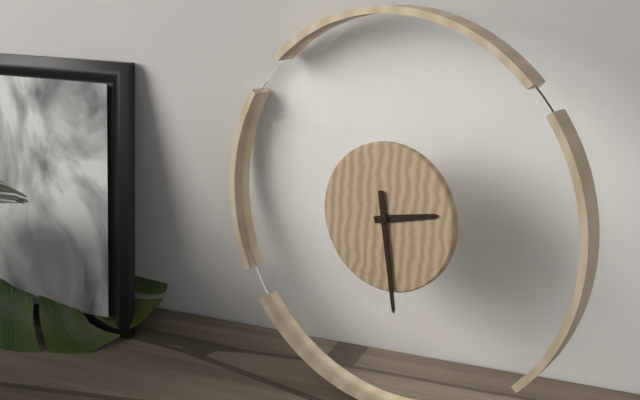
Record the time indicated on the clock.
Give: 2:28
